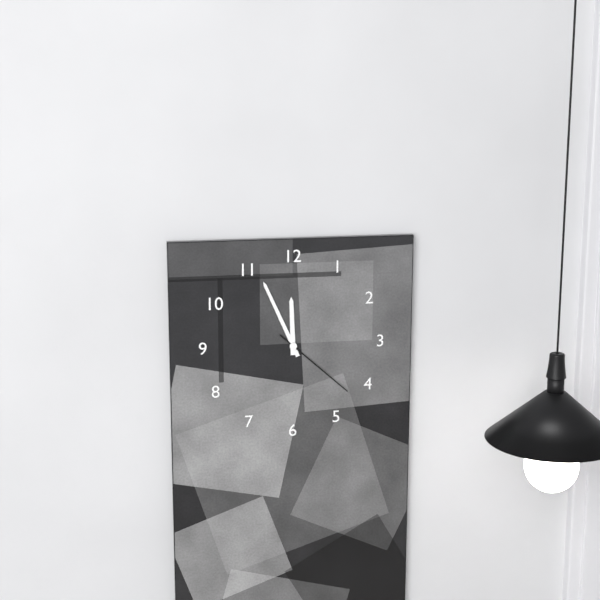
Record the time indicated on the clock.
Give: 11:56:22
